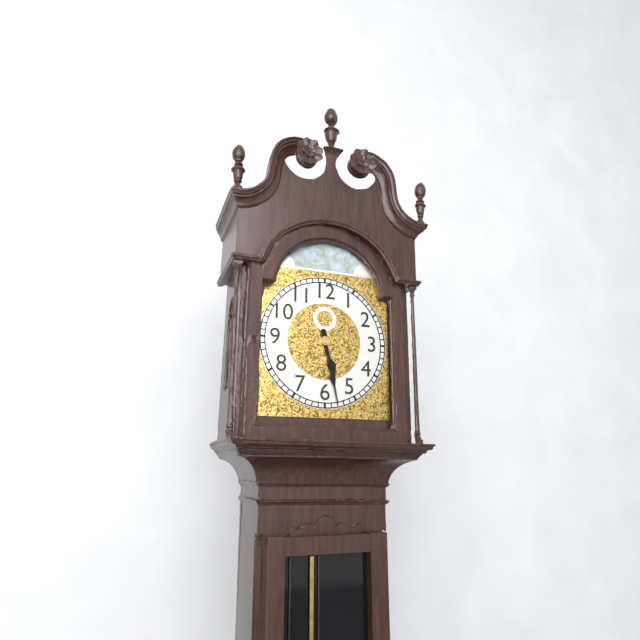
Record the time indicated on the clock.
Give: 5:28
